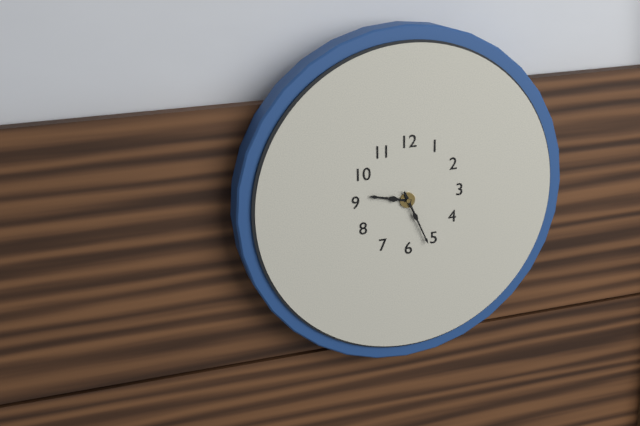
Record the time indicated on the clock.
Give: 9:26
